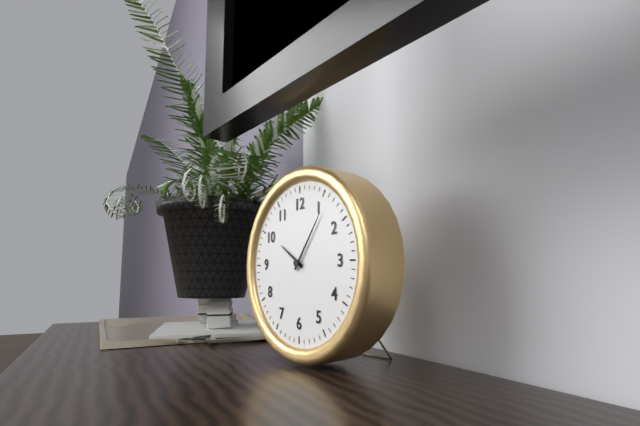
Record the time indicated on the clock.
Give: 10:06
